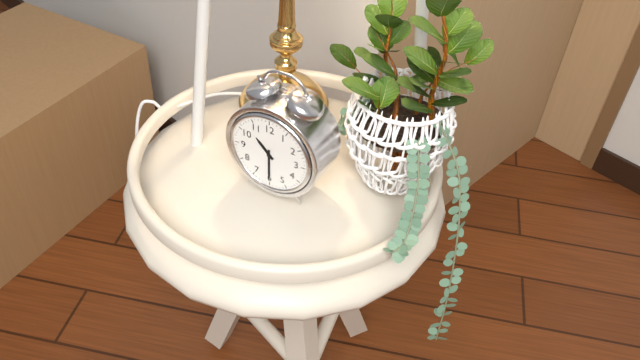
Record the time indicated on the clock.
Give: 10:30
